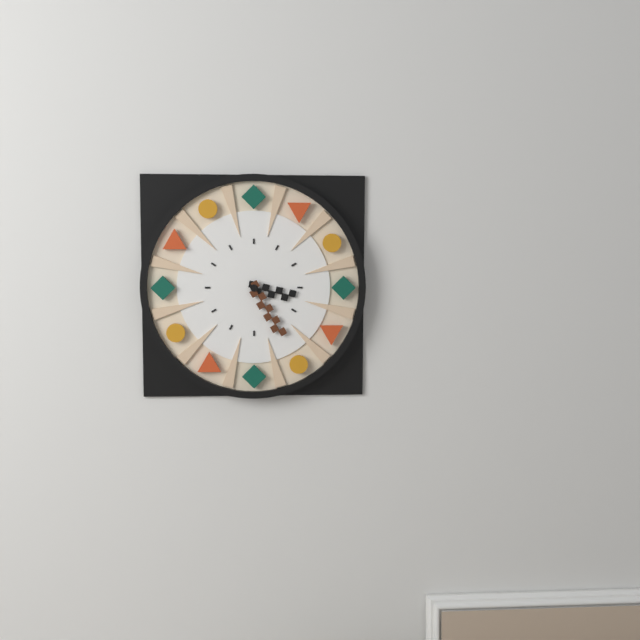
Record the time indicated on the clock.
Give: 3:25
